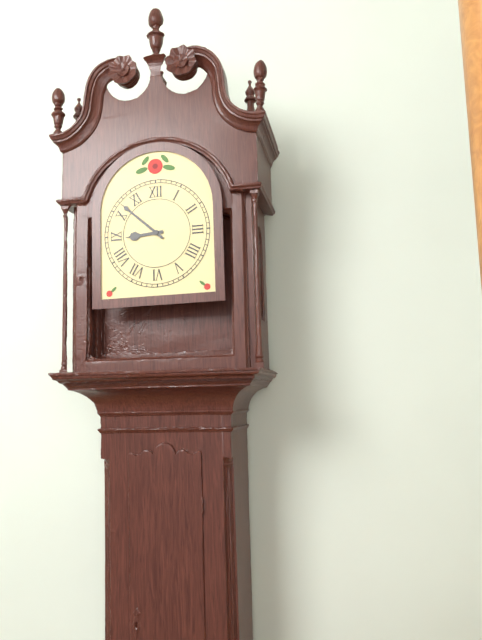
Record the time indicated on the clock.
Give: 8:52
